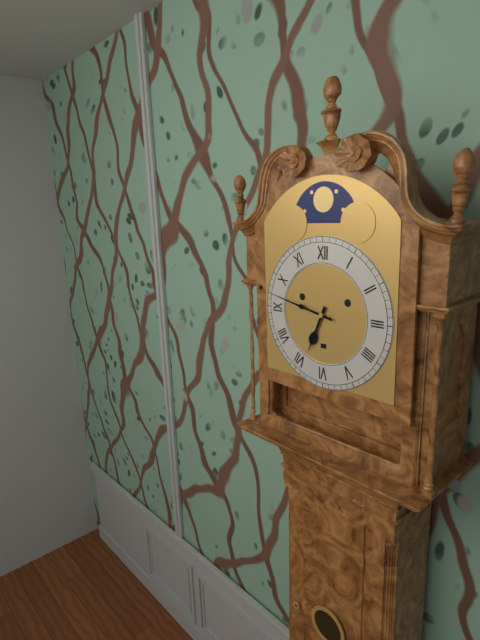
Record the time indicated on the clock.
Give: 6:47
